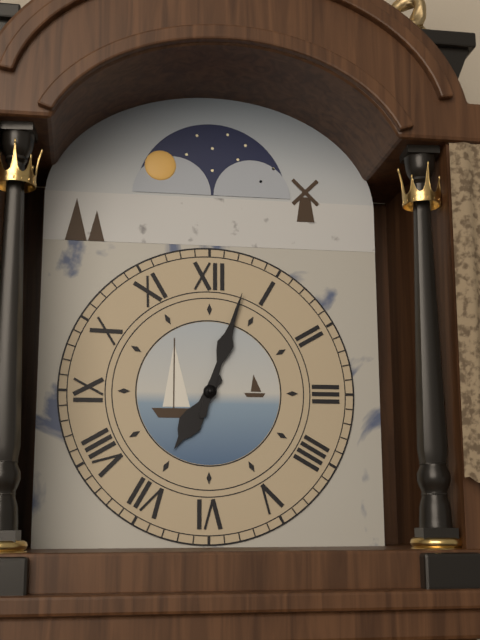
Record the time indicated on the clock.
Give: 7:03
